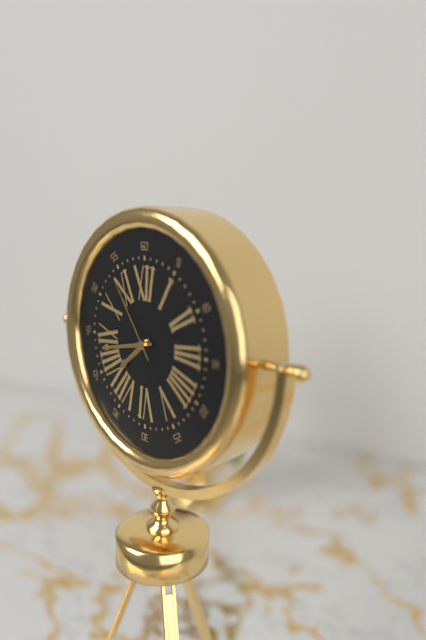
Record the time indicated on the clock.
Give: 7:43:54
